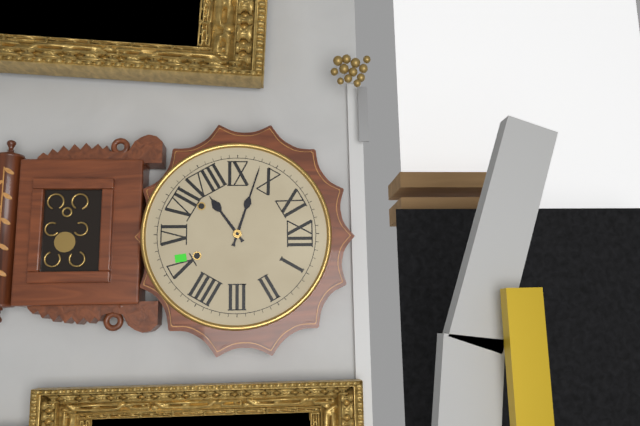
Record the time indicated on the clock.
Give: 7:48
